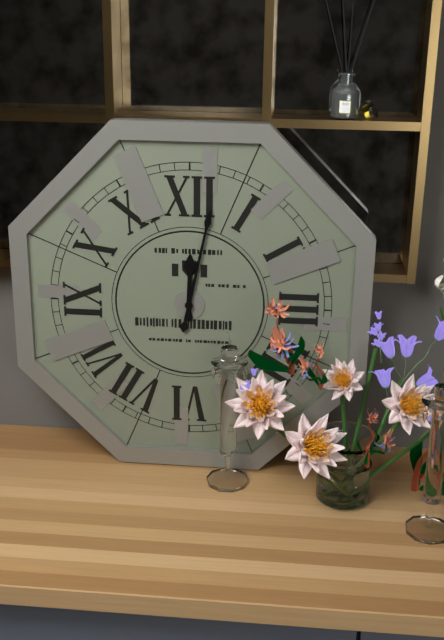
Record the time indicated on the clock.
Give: 12:02
